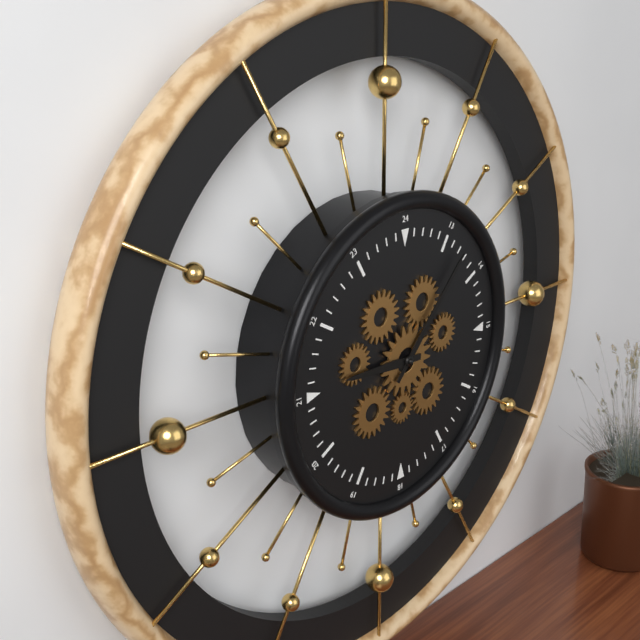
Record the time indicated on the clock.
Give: 9:07
